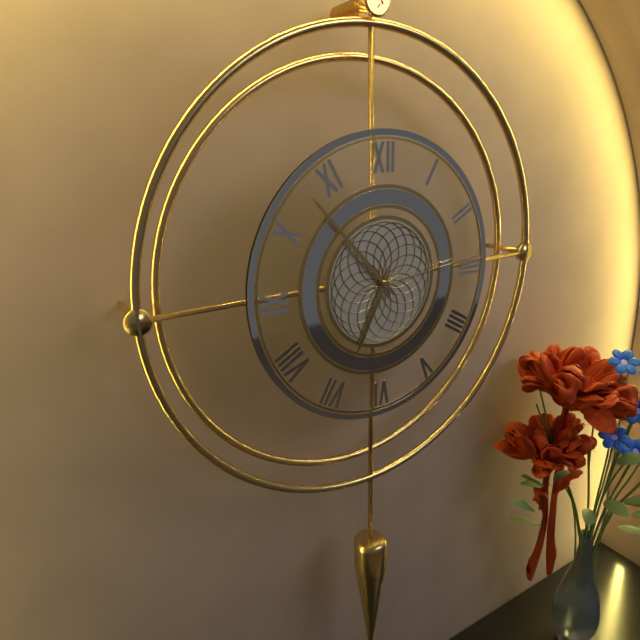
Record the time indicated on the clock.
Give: 6:53:14
